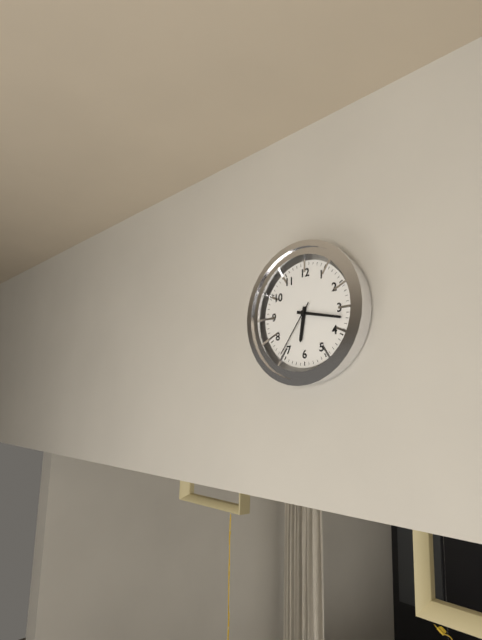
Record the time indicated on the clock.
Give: 6:17:36
